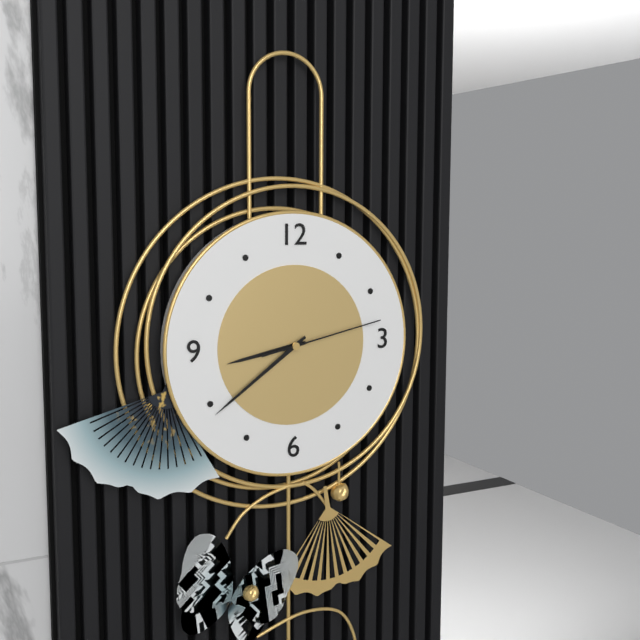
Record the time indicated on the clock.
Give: 8:39:13
